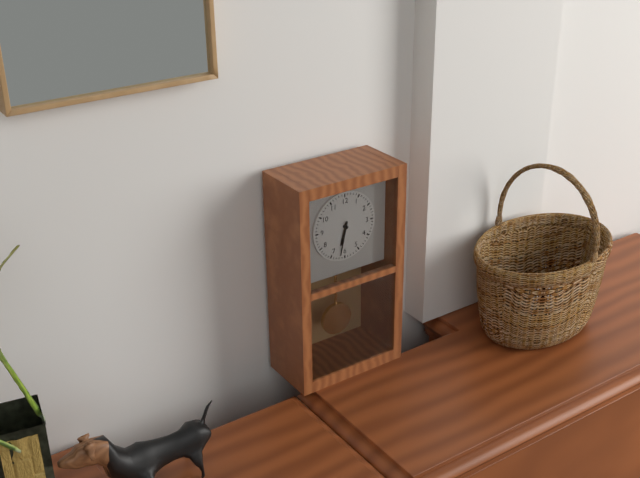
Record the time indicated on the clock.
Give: 6:32
